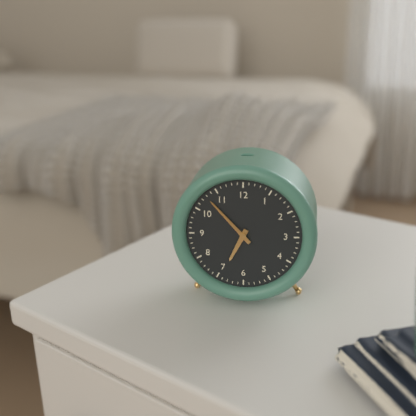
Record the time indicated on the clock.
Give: 6:53
